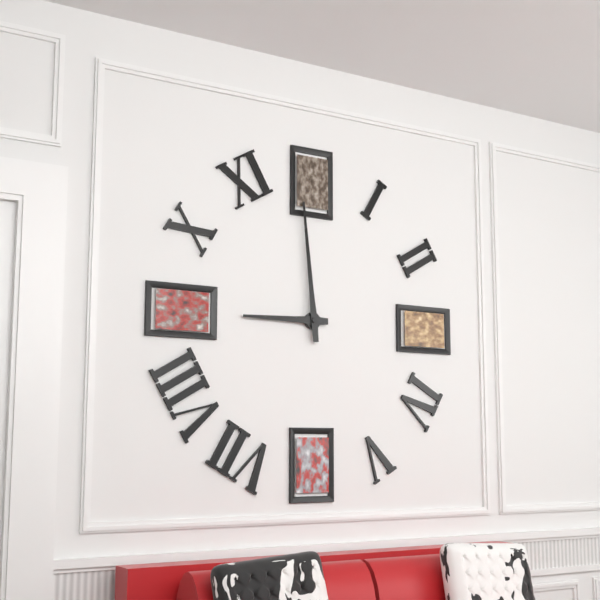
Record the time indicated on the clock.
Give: 8:59
